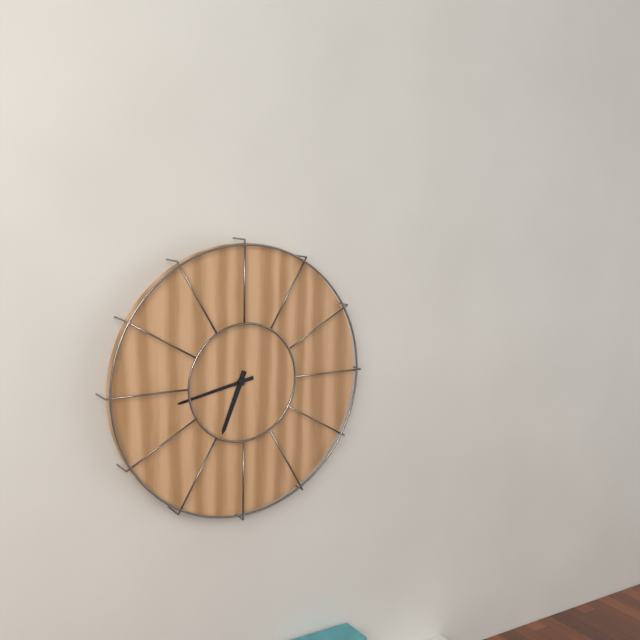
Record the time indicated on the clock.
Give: 6:43
